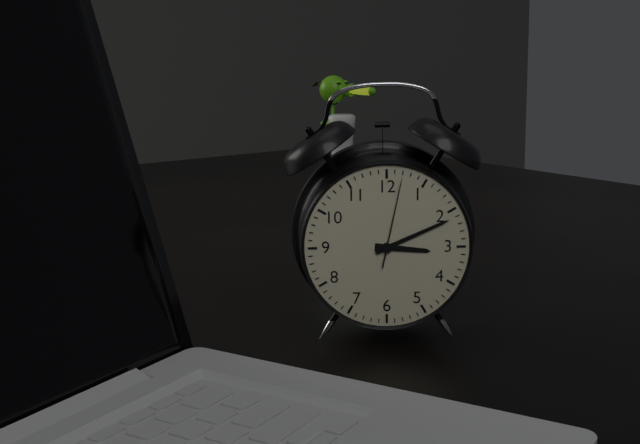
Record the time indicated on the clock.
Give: 3:11:02
